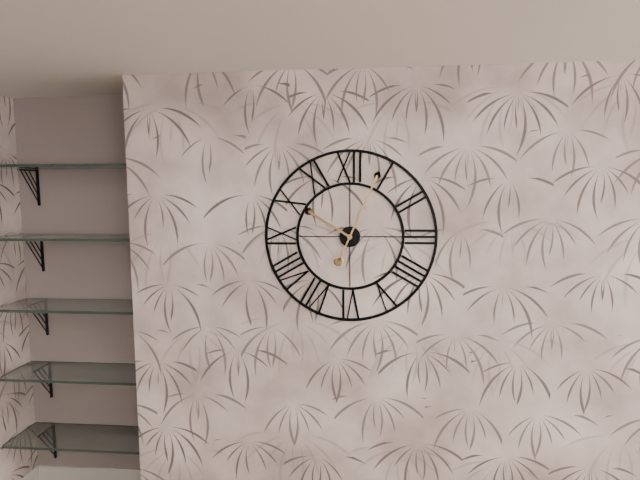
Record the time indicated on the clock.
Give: 10:04
